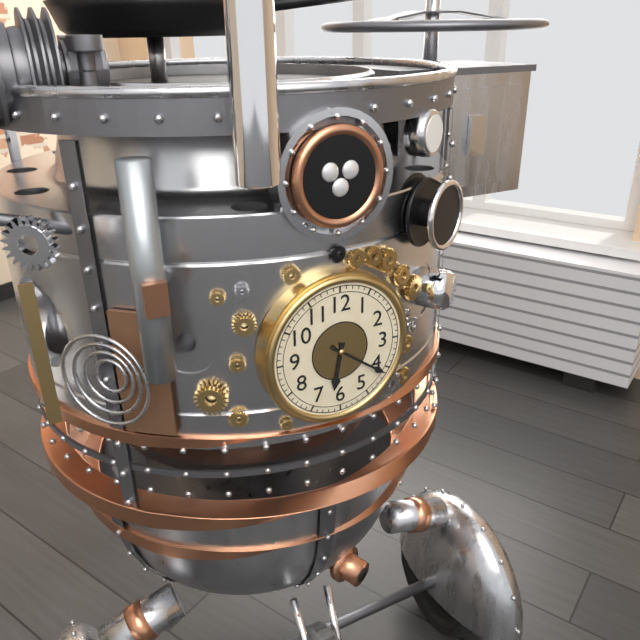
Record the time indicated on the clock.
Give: 6:21
